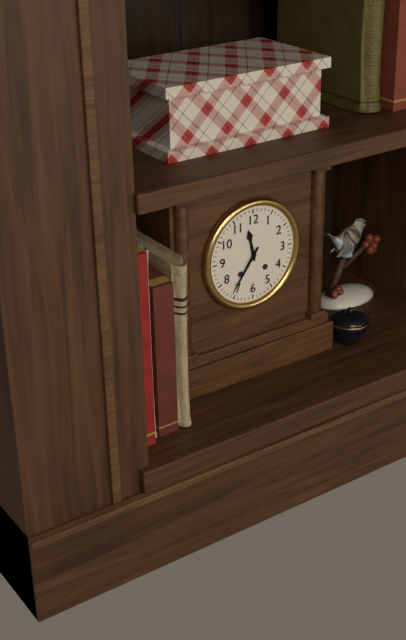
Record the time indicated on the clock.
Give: 11:36
